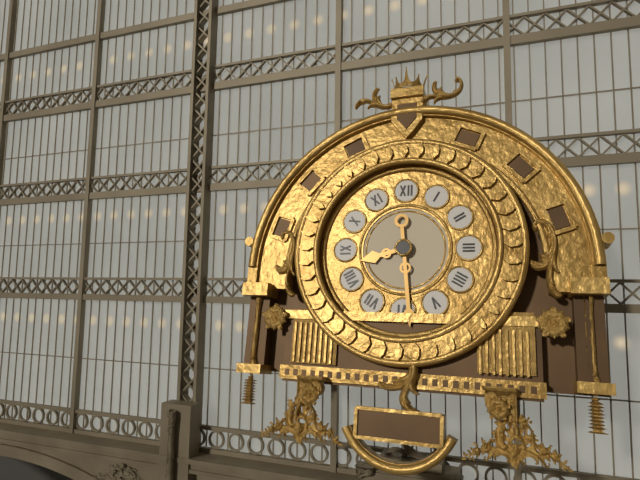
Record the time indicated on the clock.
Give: 8:29
